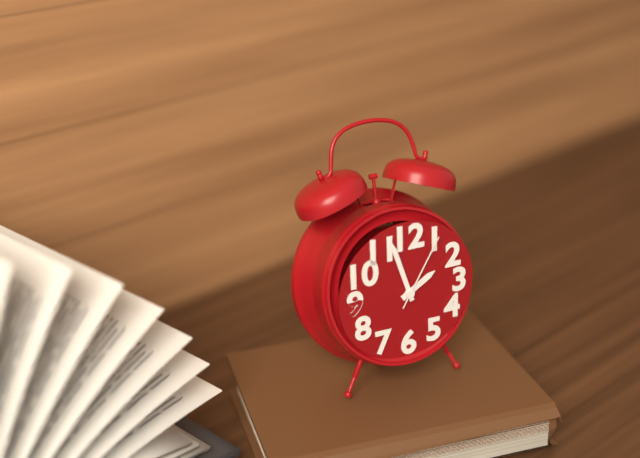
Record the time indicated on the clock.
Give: 1:57:05
